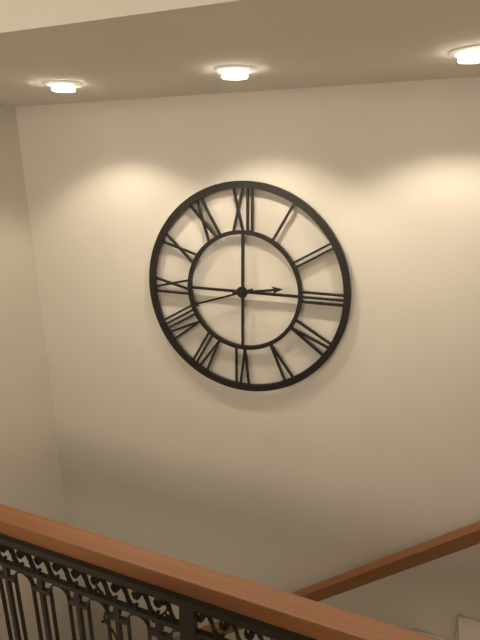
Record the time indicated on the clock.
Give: 2:42
